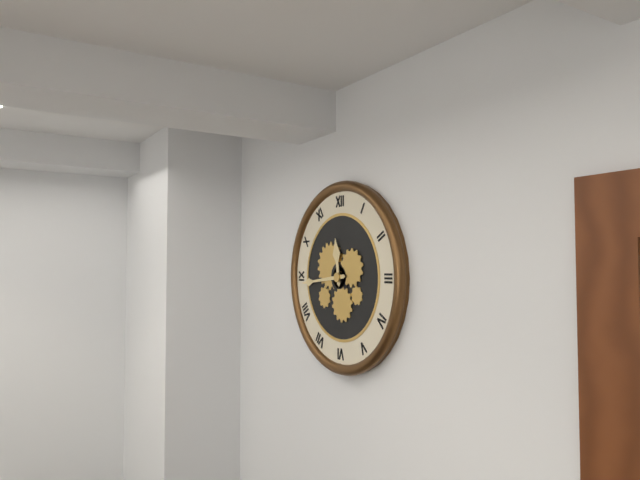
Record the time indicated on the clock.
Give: 11:44
